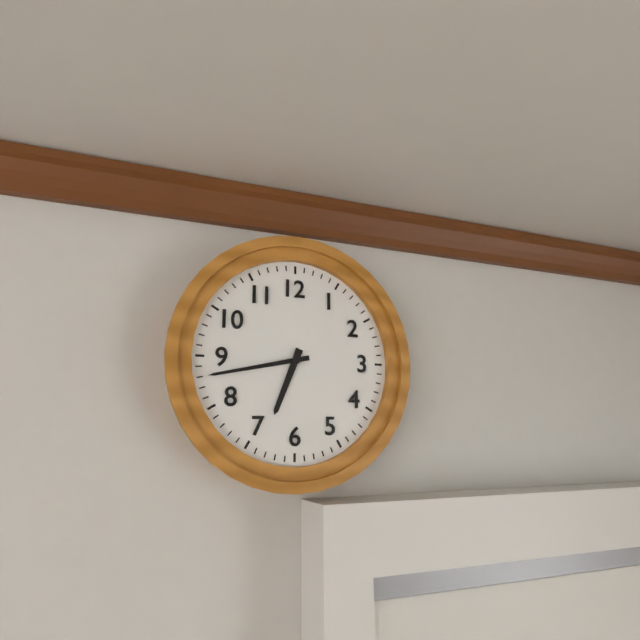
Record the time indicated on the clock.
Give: 6:43
